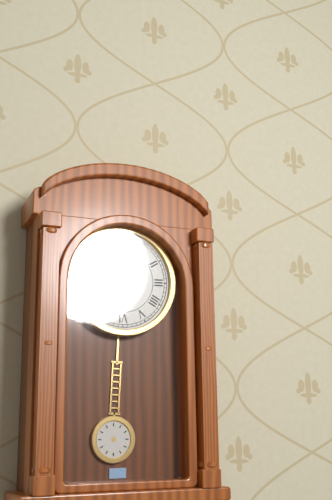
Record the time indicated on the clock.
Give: 8:42
